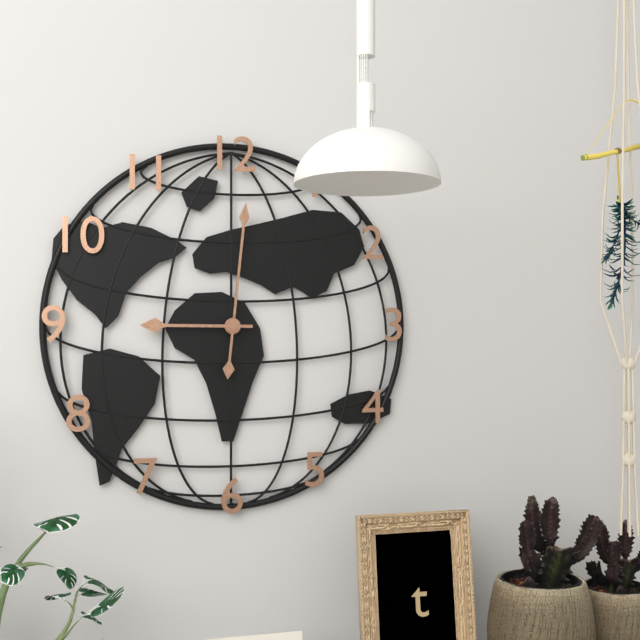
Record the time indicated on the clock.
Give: 9:01
